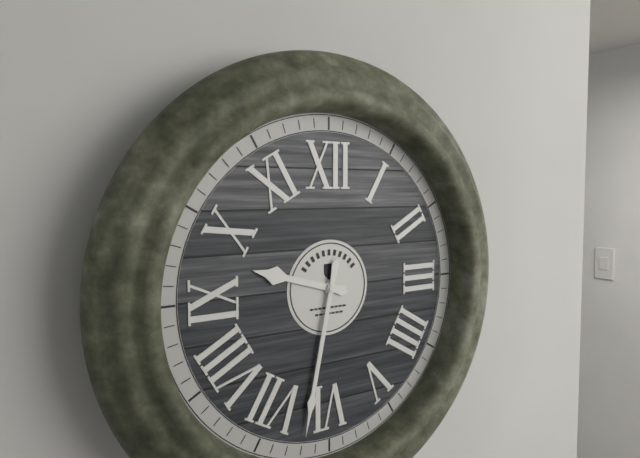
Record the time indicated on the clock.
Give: 9:32
